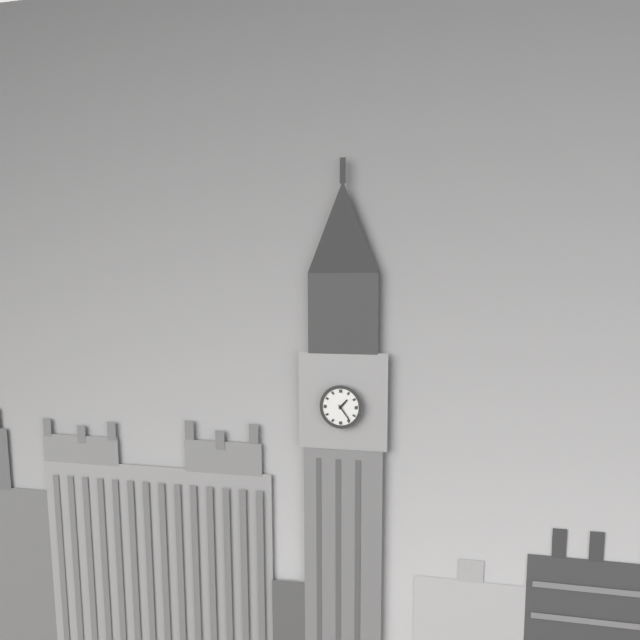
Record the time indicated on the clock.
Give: 1:24
